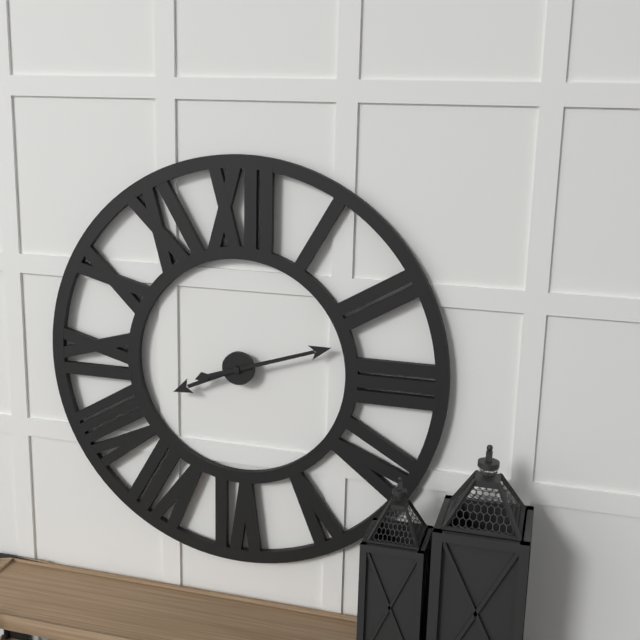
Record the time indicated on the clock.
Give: 8:12
